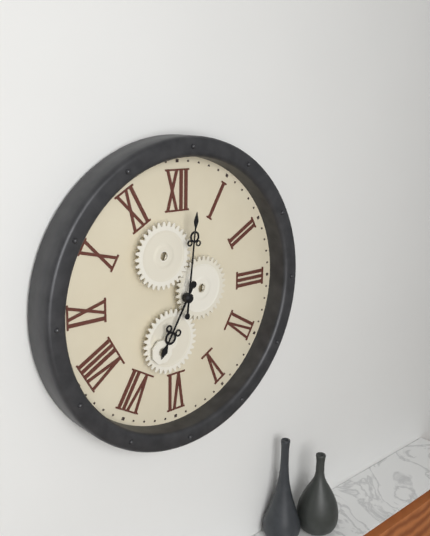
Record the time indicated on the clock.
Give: 7:01
